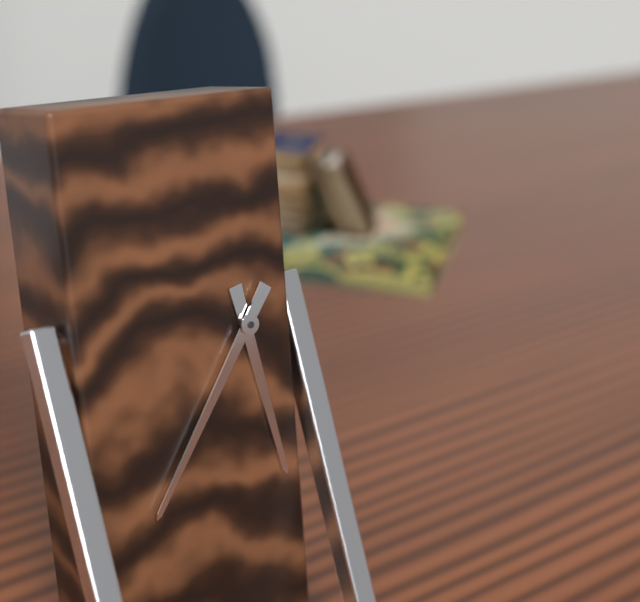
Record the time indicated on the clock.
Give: 5:36
